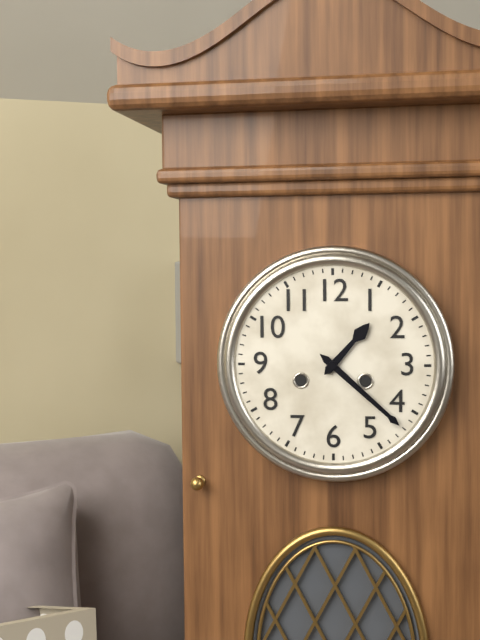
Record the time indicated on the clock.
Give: 1:22
